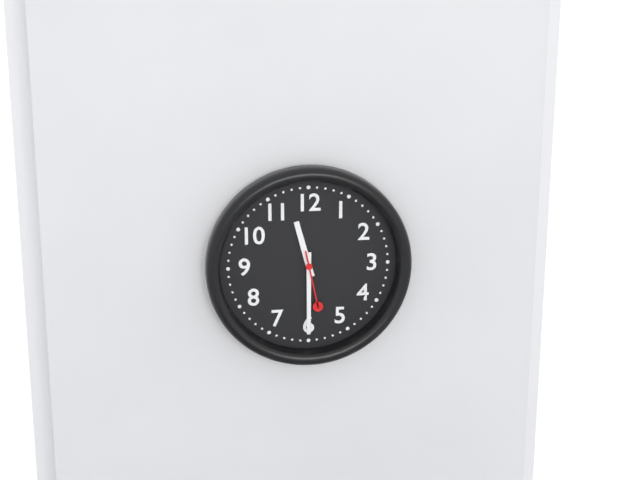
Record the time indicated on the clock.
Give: 11:30:28
